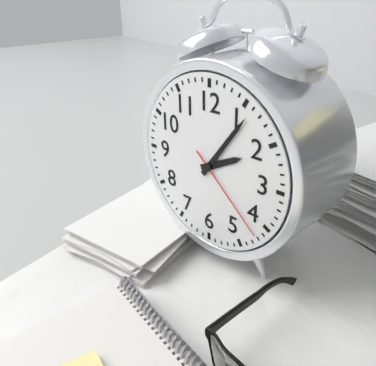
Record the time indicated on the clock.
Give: 2:06:22
